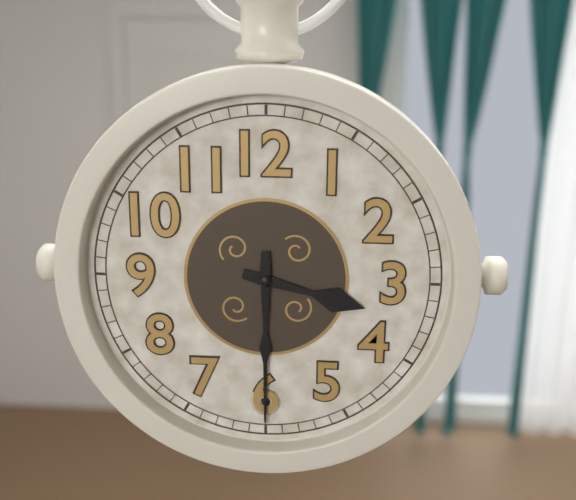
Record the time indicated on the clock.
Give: 3:30
